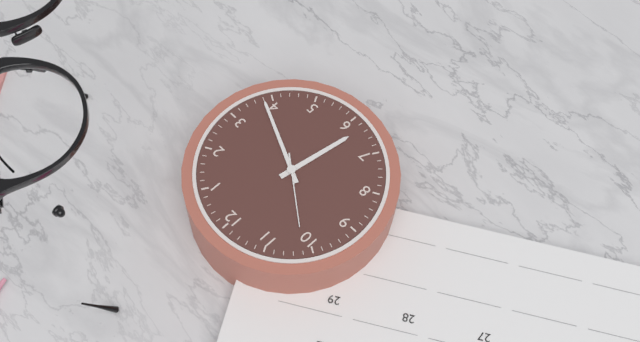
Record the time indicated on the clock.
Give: 6:19
